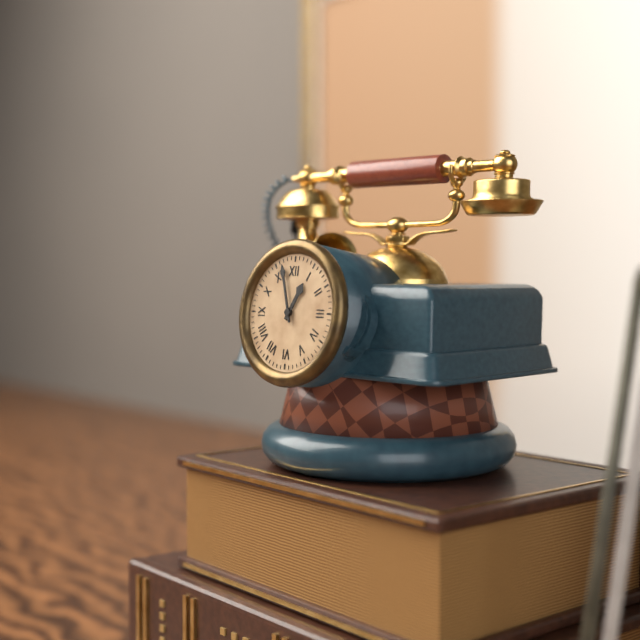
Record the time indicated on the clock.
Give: 12:57
